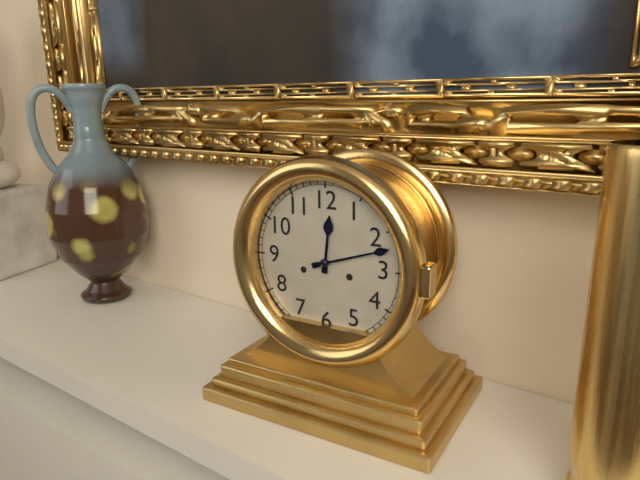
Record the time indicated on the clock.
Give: 12:12
